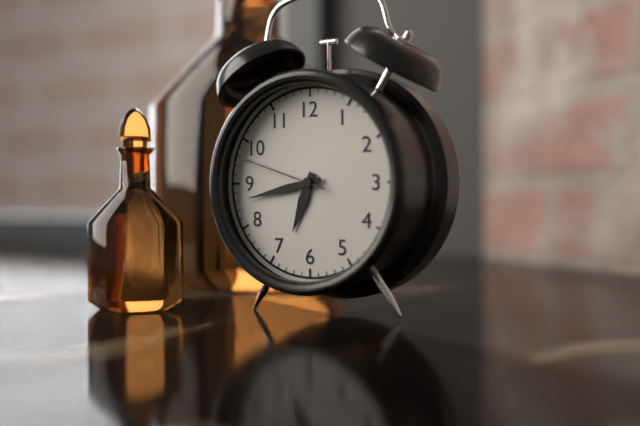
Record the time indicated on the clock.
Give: 6:43:48
